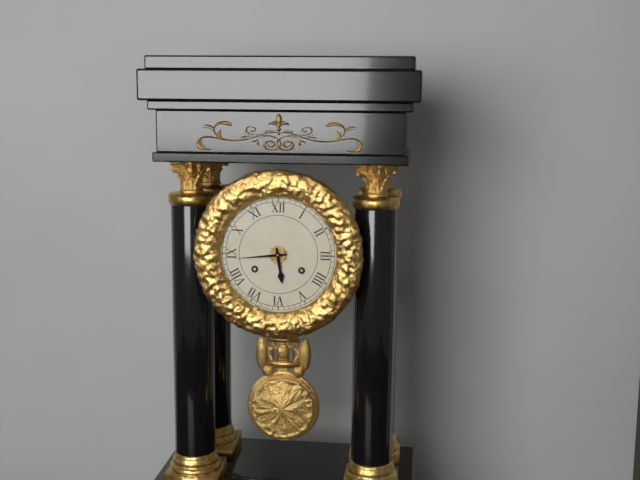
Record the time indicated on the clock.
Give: 5:44
